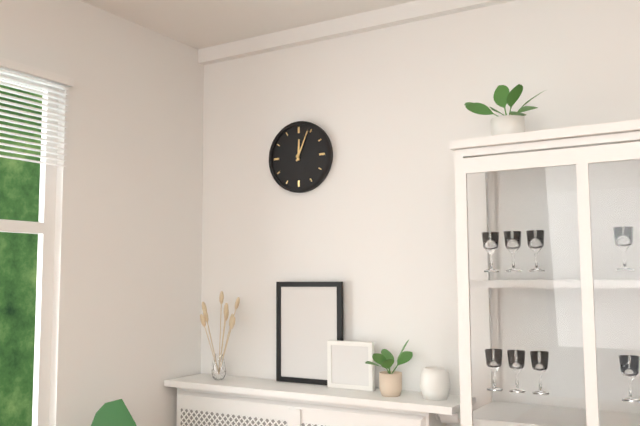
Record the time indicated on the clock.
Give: 12:04
